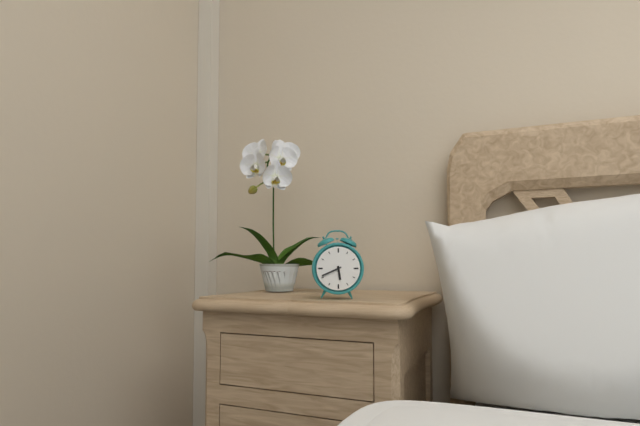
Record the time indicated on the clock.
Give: 5:41
